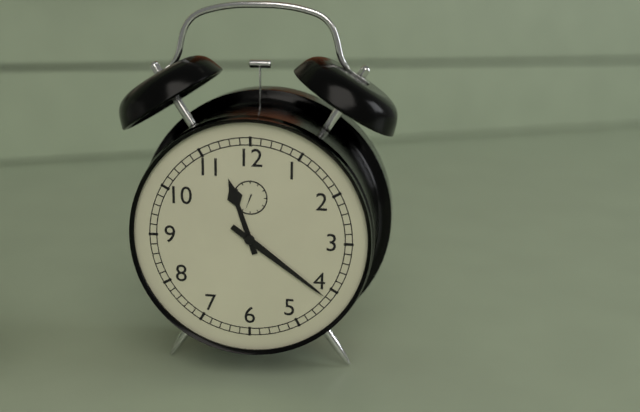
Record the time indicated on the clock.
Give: 11:21
